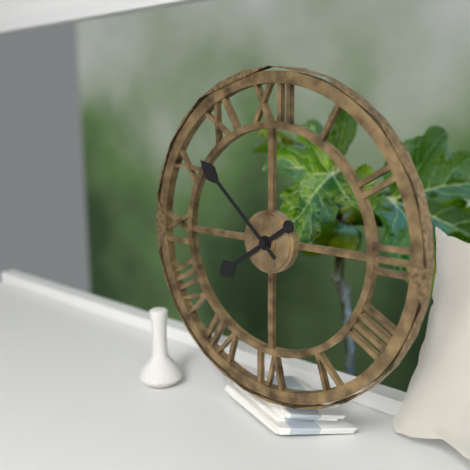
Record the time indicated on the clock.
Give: 7:52
